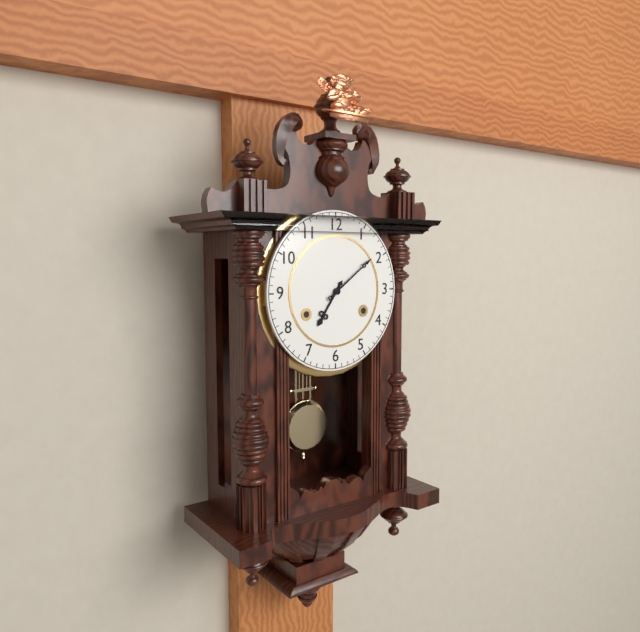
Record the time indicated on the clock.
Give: 7:09
